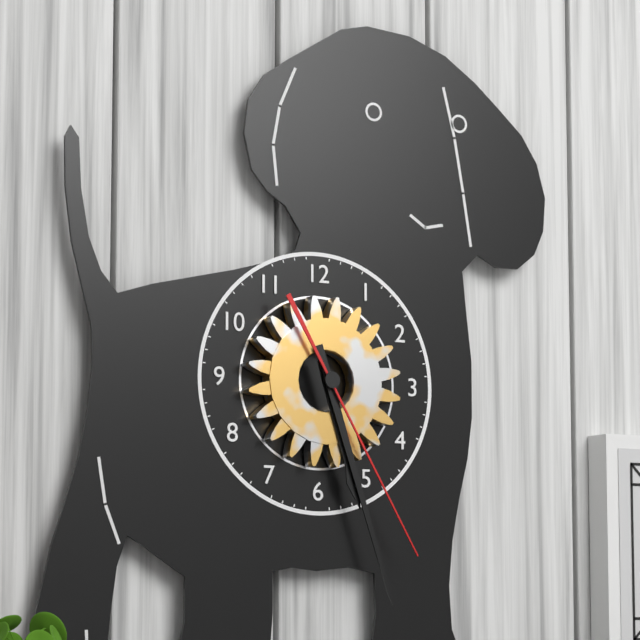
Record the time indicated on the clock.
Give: 5:27:25
